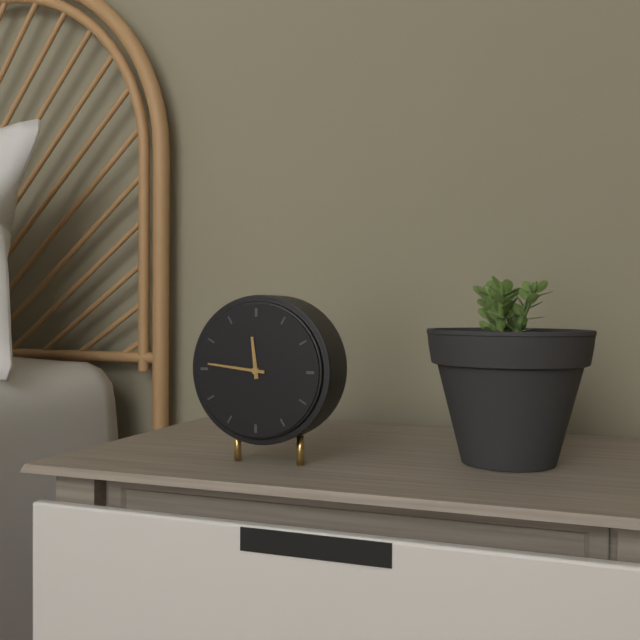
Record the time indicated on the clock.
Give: 11:46
